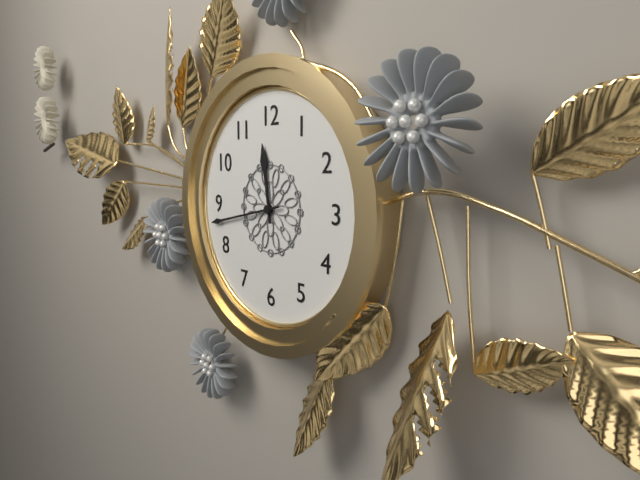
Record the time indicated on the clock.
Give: 11:43
